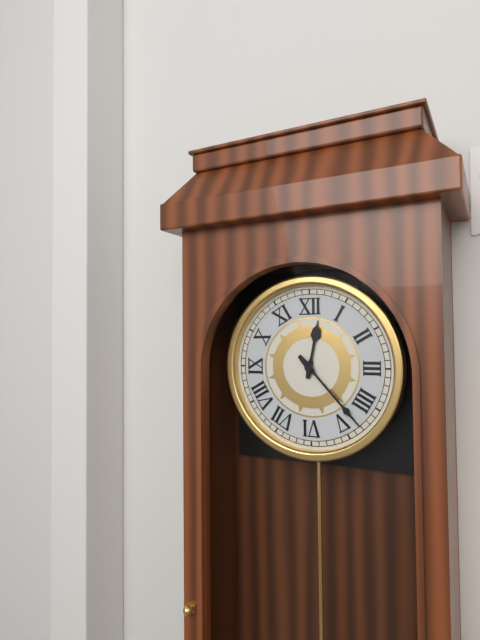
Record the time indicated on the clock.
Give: 12:23
